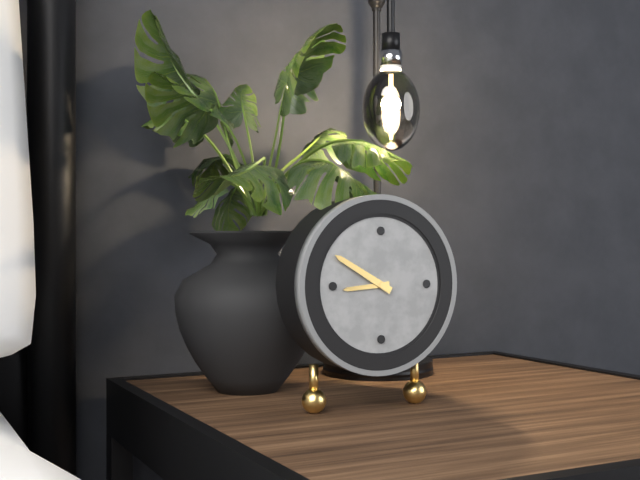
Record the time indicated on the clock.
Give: 8:50
